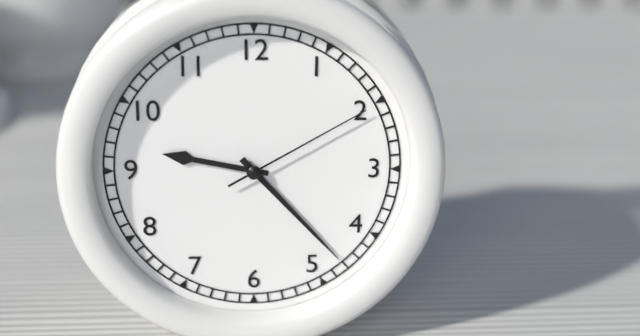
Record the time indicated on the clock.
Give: 9:23:10
